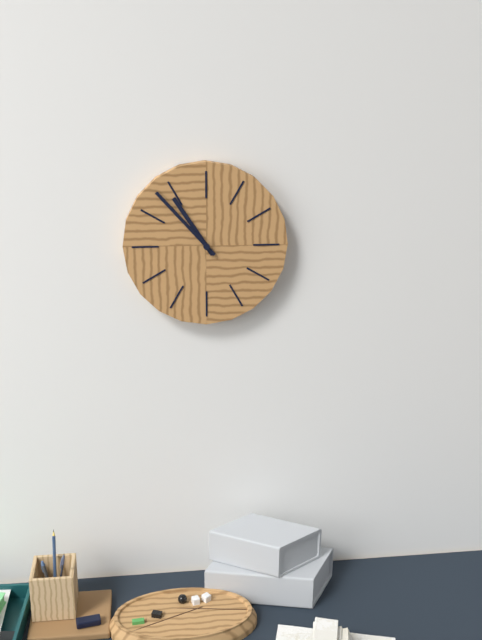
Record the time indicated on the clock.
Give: 10:53
